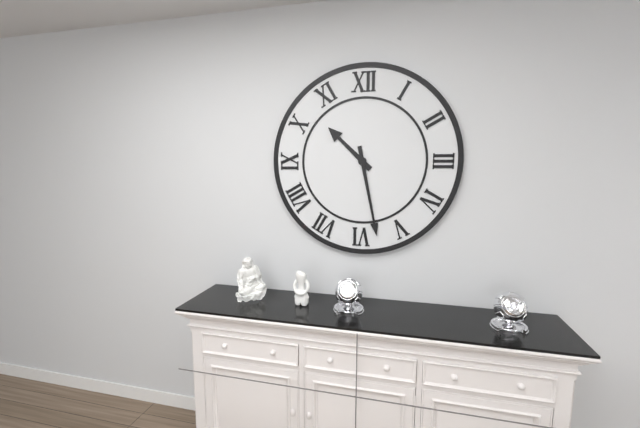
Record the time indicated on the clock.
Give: 10:28
